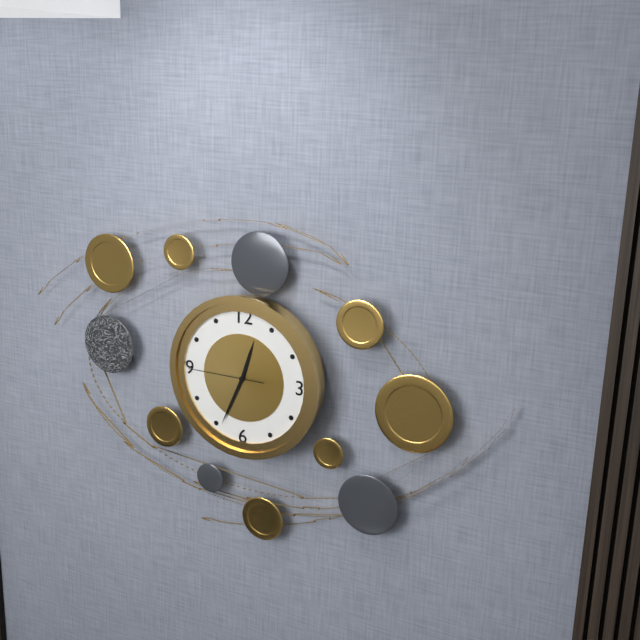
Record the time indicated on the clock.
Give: 12:34:45
